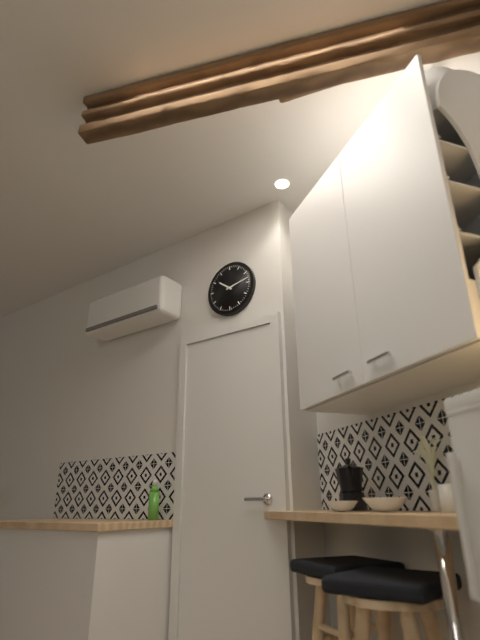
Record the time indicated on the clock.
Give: 10:13
